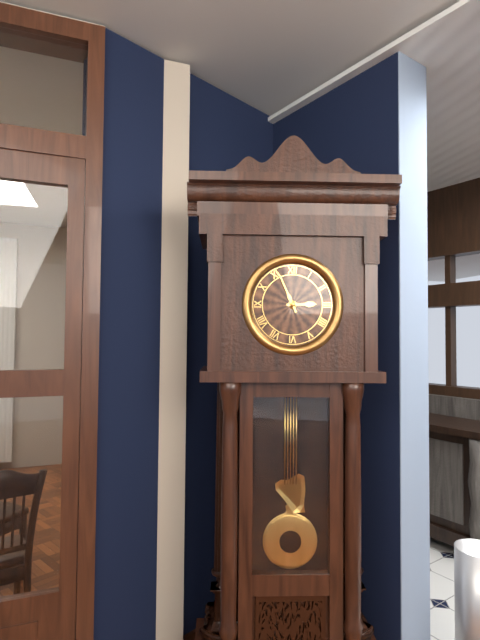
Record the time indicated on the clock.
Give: 2:56
